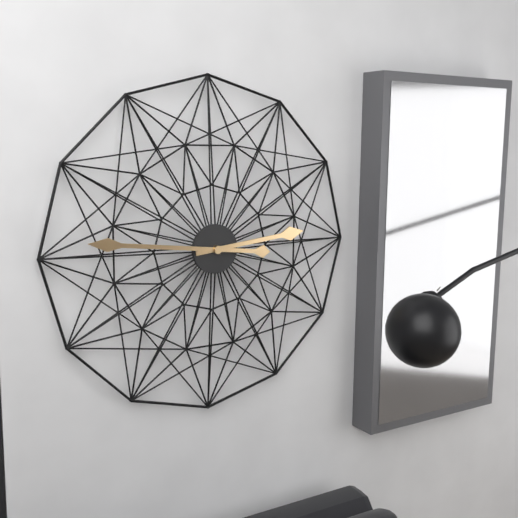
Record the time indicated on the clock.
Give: 2:46
